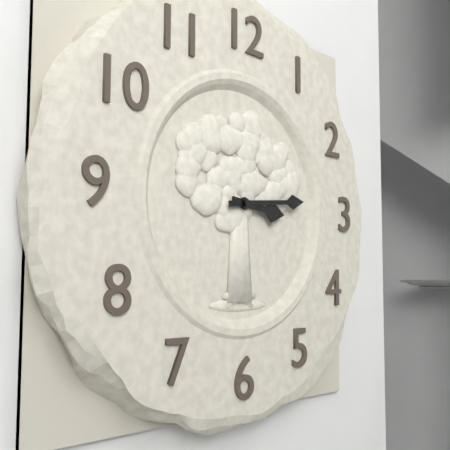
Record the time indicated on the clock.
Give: 3:14
